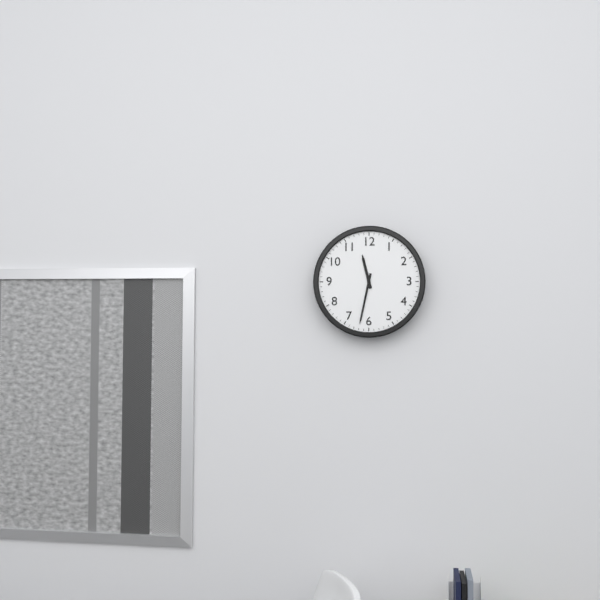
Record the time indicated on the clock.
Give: 11:32
